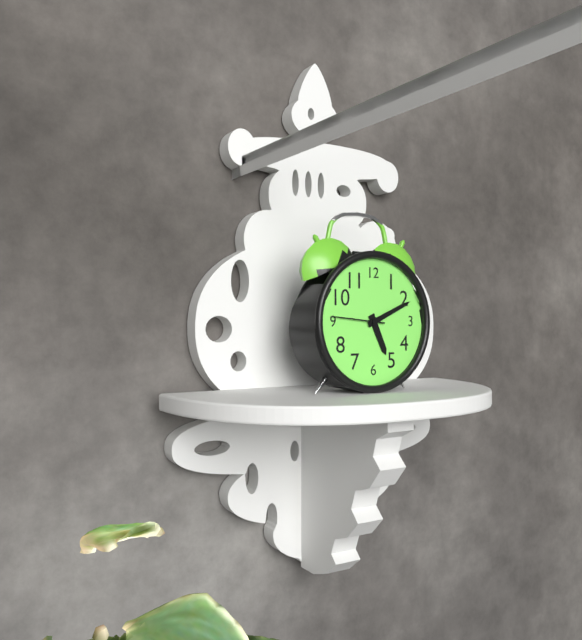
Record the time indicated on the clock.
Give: 5:11:46
